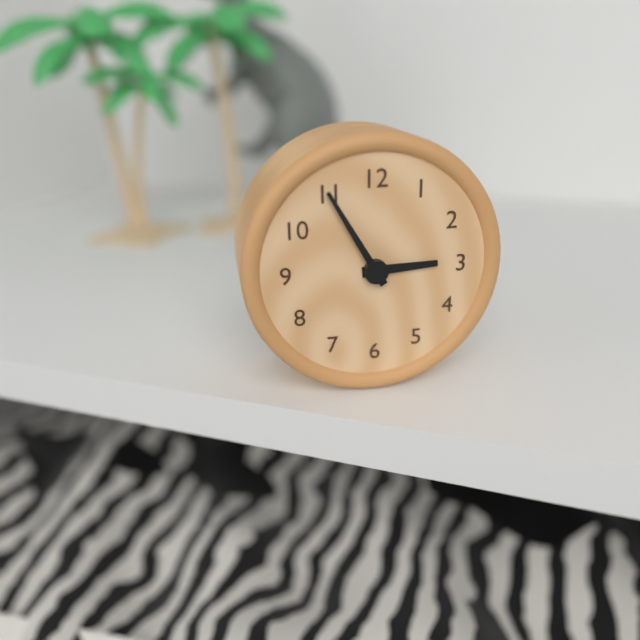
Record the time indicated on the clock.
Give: 2:55
